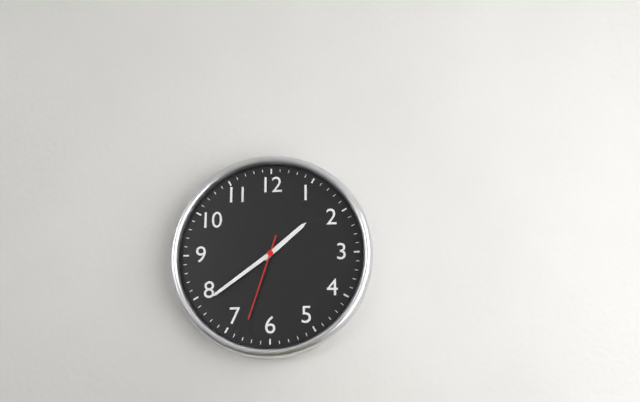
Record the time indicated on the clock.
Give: 1:39:33
